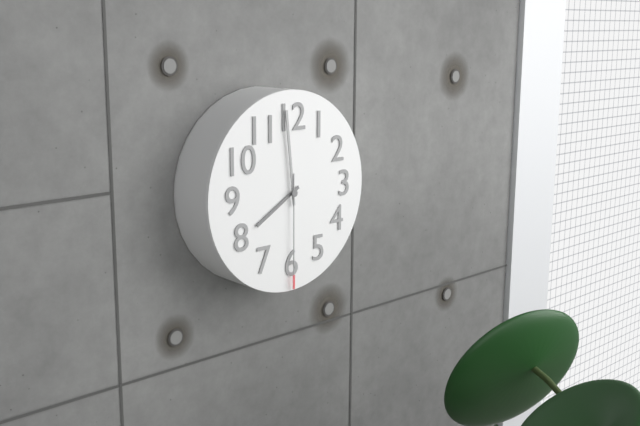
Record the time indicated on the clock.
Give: 7:59:30
